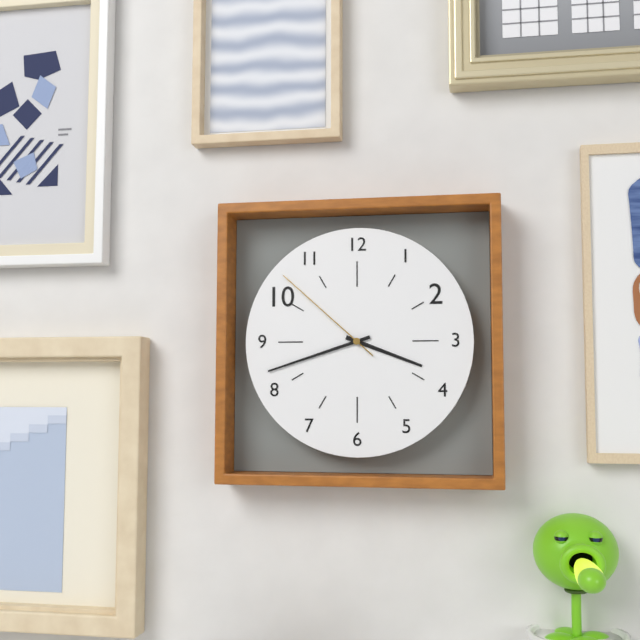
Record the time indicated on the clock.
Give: 3:42:52
